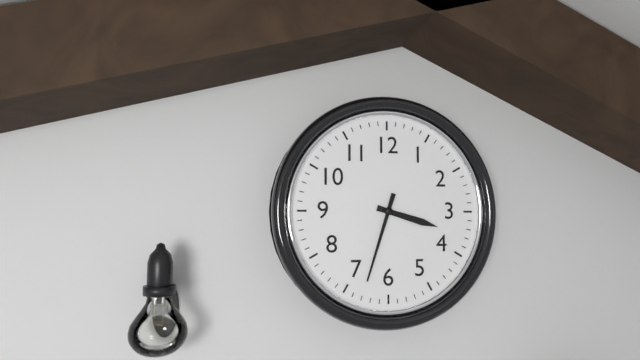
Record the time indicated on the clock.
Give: 3:33
